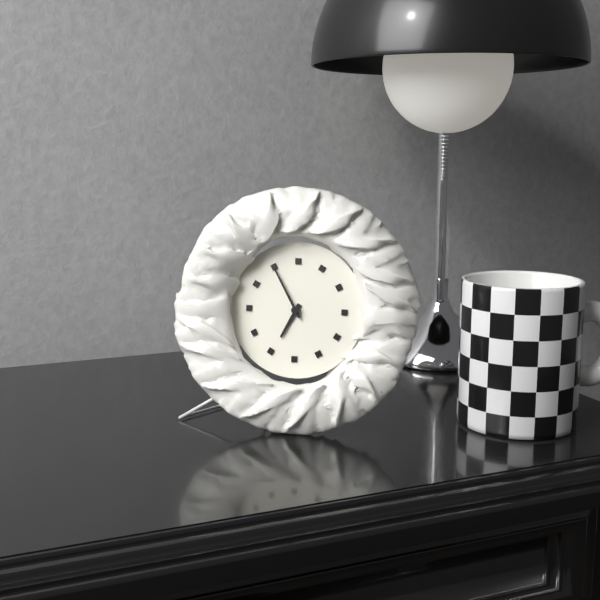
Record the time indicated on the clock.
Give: 6:55
